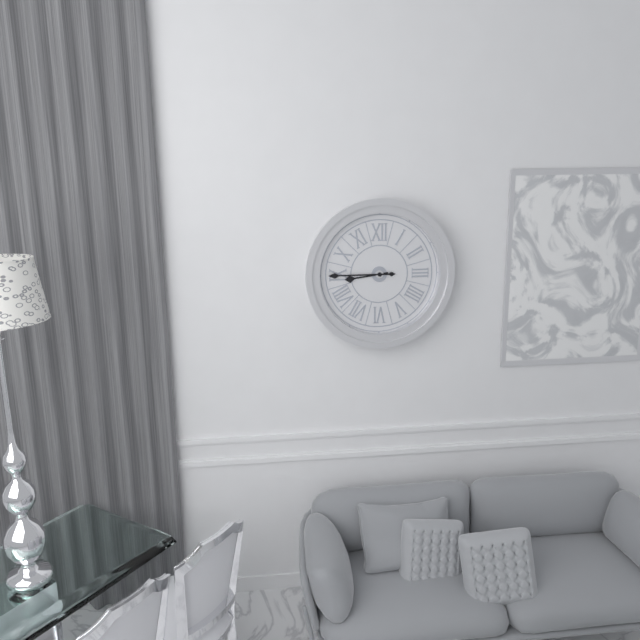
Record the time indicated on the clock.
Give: 8:45
